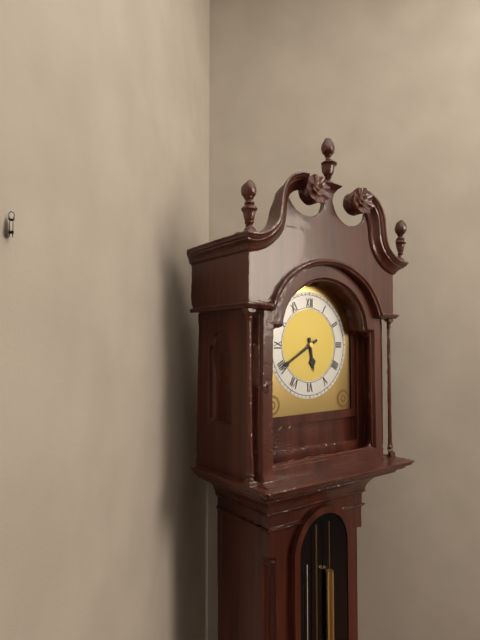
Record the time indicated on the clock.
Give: 5:40
